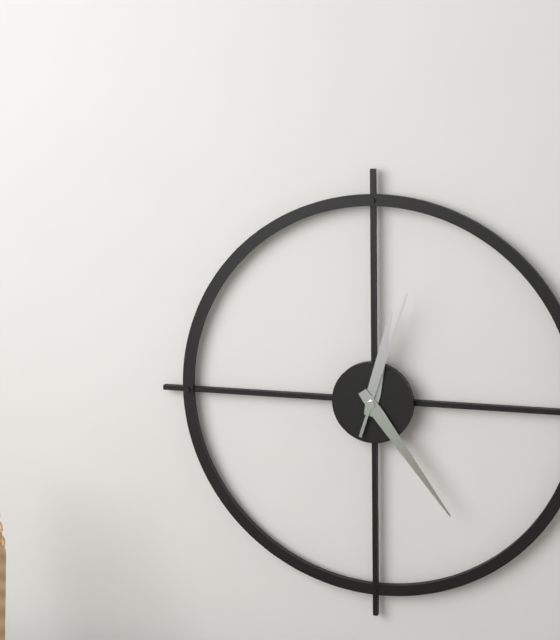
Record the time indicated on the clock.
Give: 12:24:03
